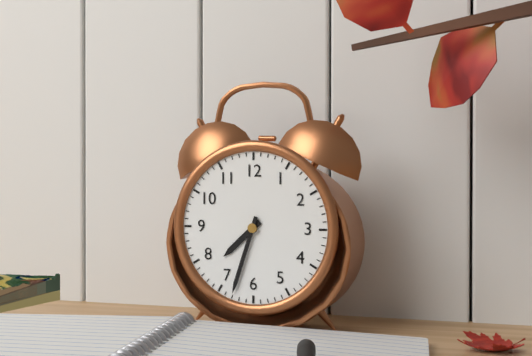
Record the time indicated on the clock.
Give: 7:33
